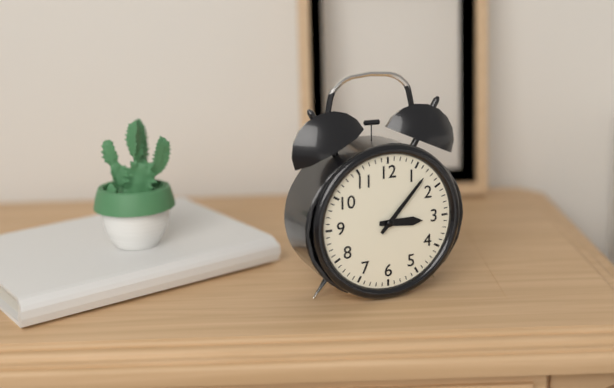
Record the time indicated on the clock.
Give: 3:07
